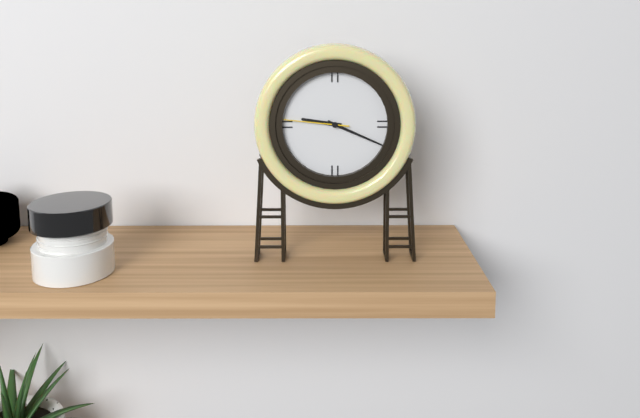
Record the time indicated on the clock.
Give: 9:19:46
